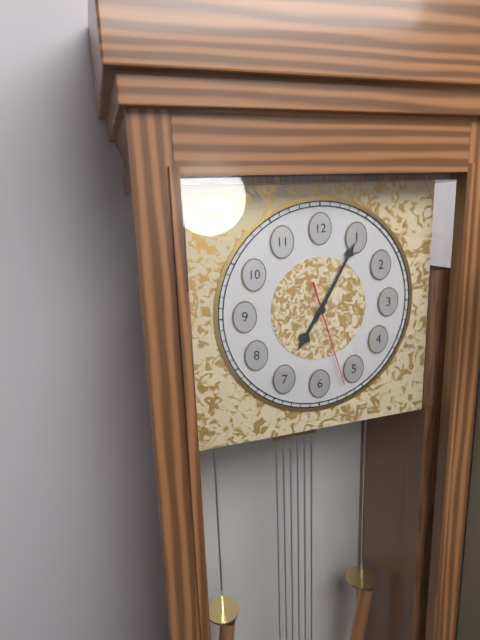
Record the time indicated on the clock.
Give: 7:05:27
